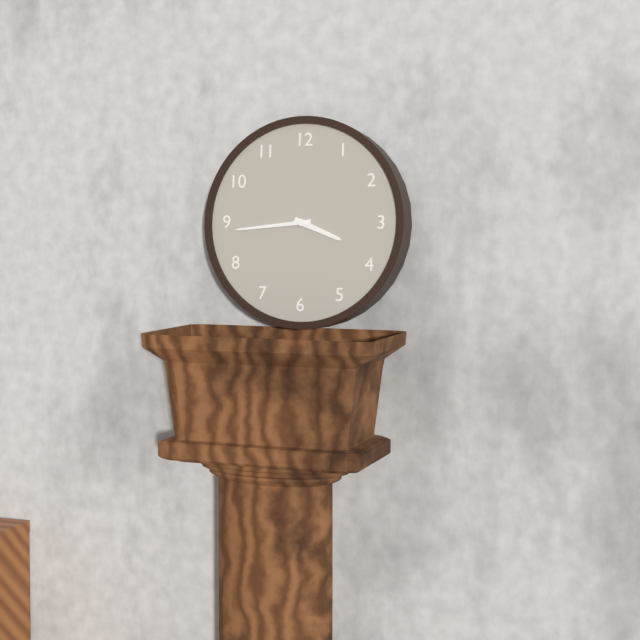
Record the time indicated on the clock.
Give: 3:44
